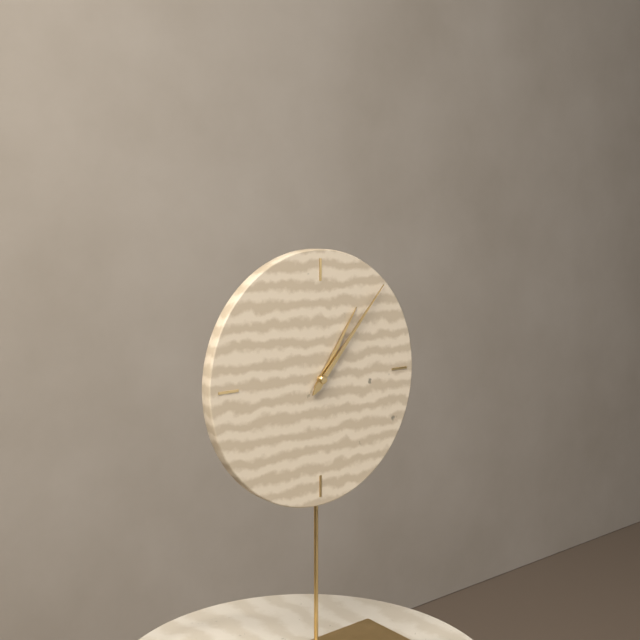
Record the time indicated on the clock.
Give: 1:07
